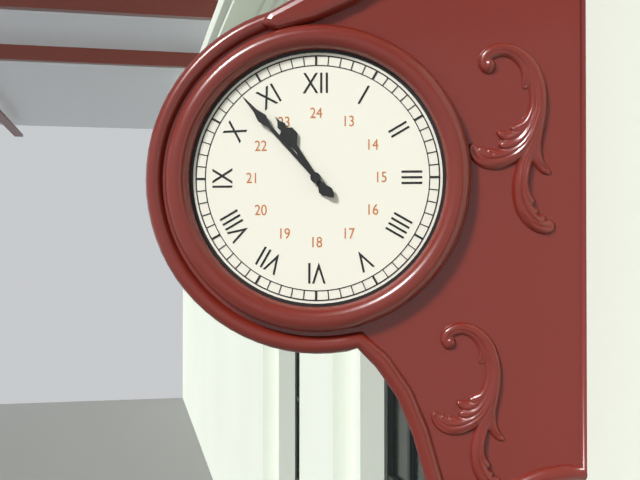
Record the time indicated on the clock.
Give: 10:53
